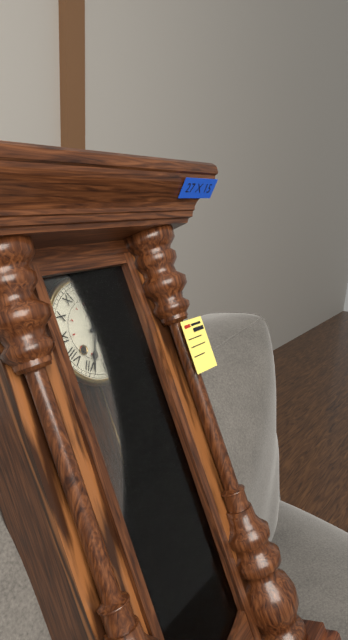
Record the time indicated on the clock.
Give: 2:34
